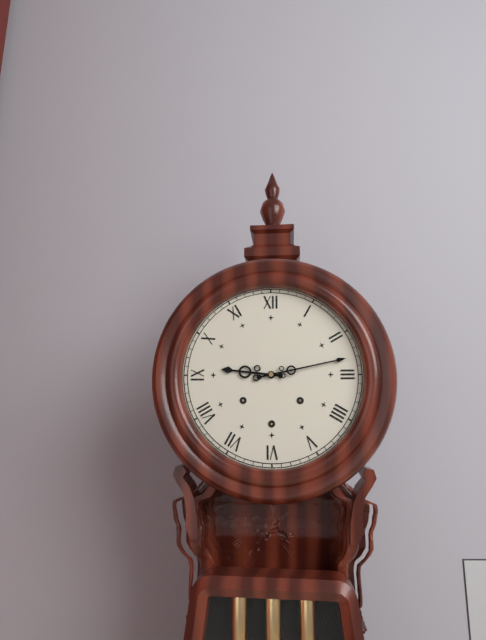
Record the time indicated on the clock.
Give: 9:13
